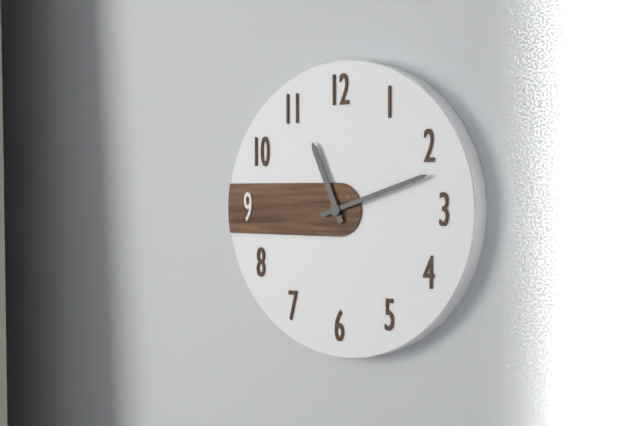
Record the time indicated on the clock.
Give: 11:12
